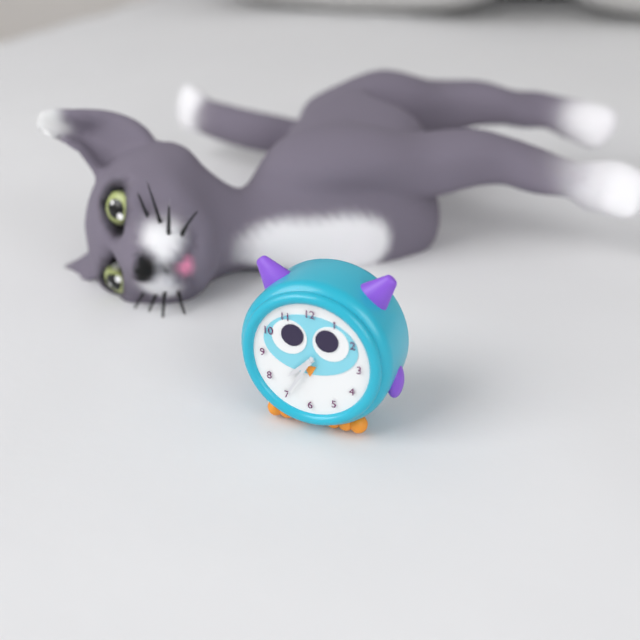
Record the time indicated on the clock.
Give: 7:35
